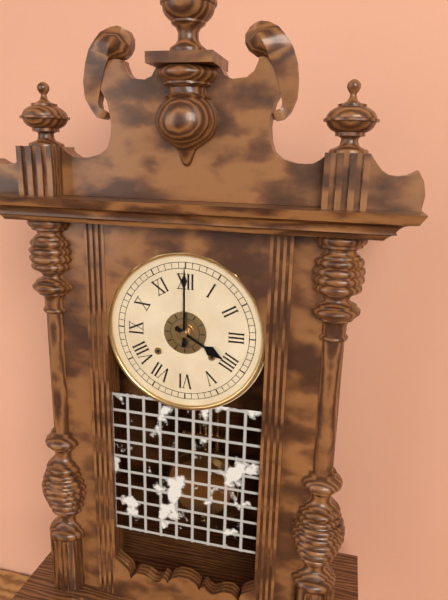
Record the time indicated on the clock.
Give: 4:00
